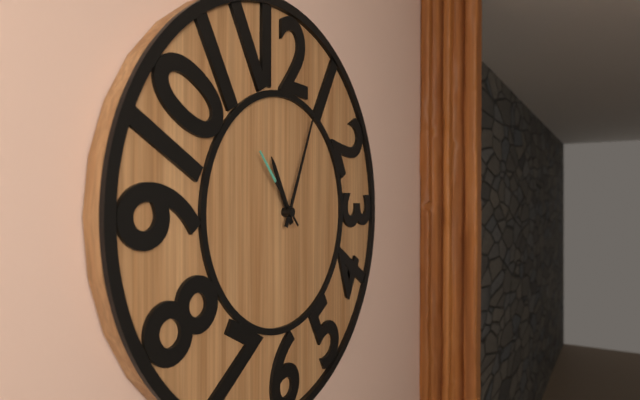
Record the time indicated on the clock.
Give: 11:04:53
